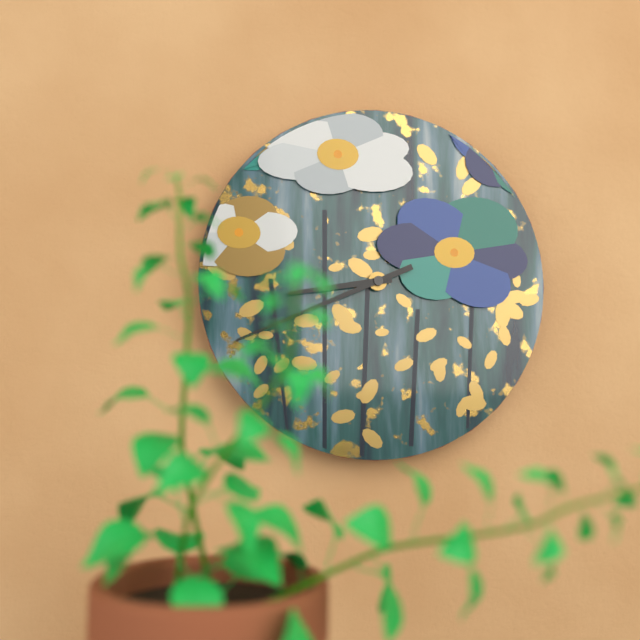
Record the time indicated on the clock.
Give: 8:41
